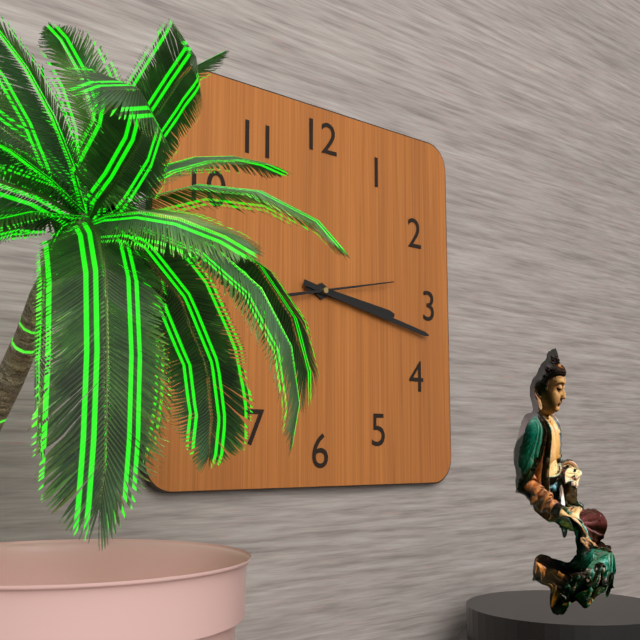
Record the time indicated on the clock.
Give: 3:17:13
